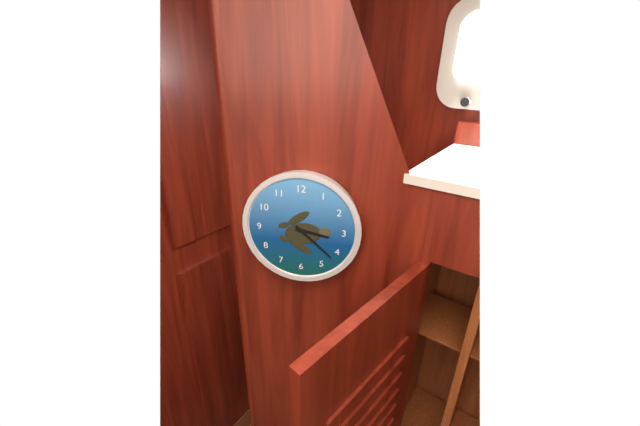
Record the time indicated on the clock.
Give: 3:22
